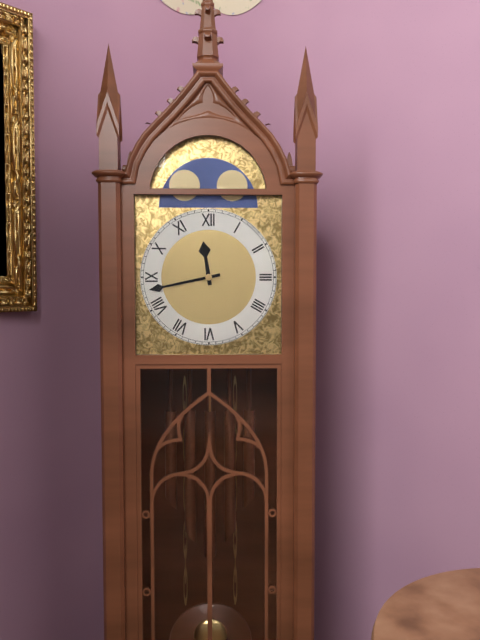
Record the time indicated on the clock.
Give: 11:43
